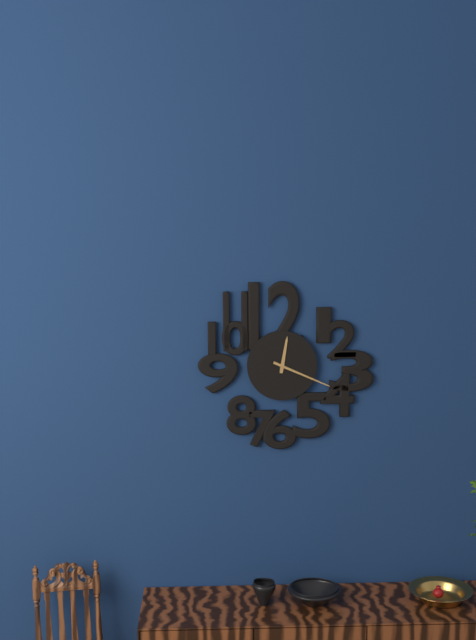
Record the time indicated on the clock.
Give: 12:19
